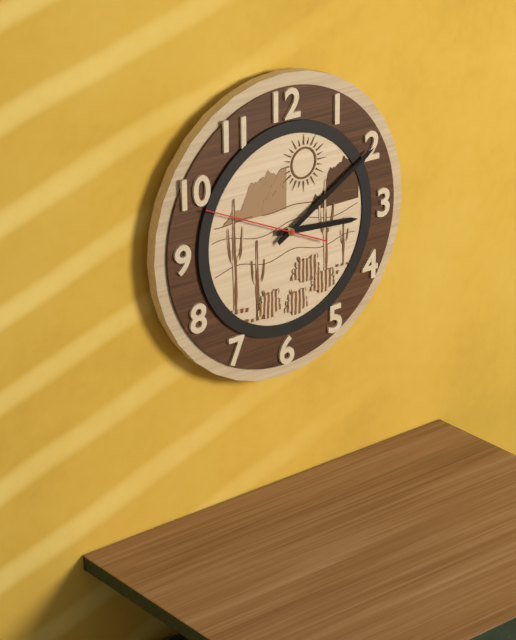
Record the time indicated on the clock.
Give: 3:10:49
